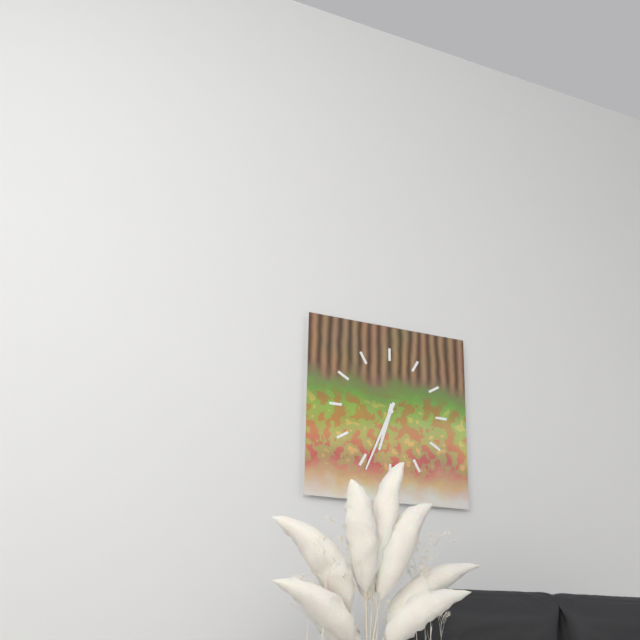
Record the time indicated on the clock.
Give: 6:34
